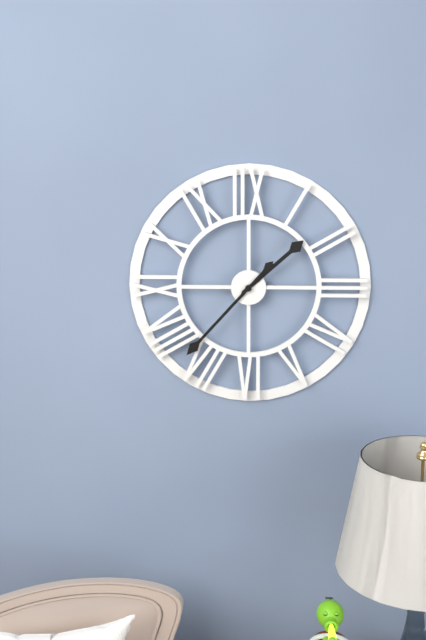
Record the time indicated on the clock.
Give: 1:37
